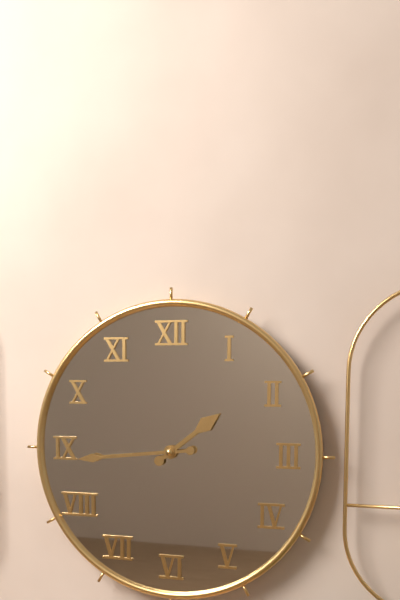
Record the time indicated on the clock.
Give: 1:44
